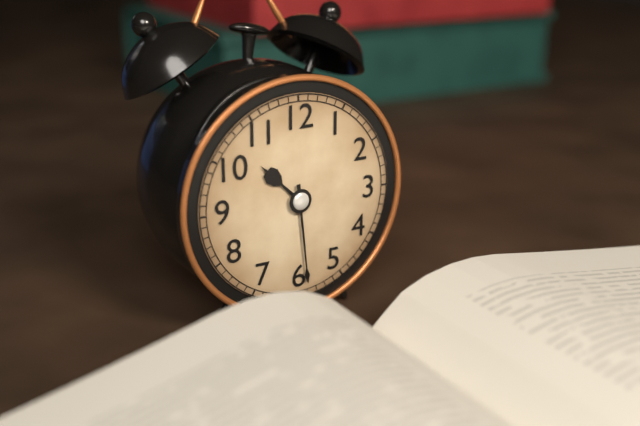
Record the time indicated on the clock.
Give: 10:29
